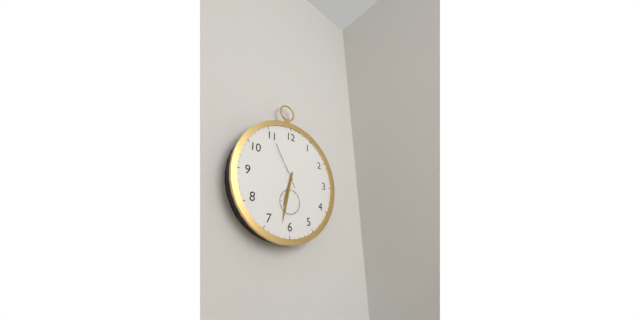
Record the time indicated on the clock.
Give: 6:32
